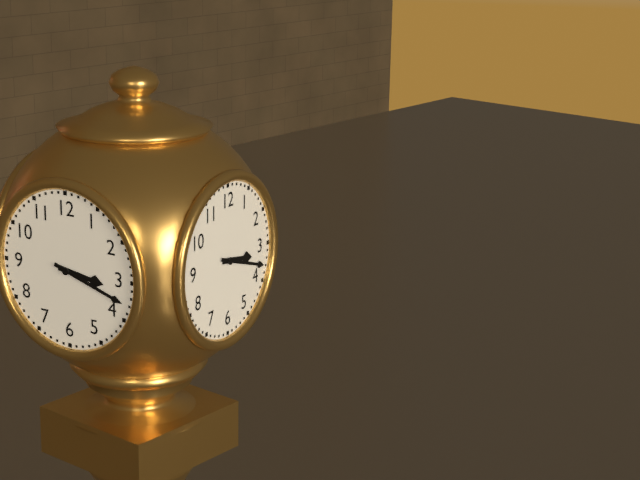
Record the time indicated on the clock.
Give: 3:18
